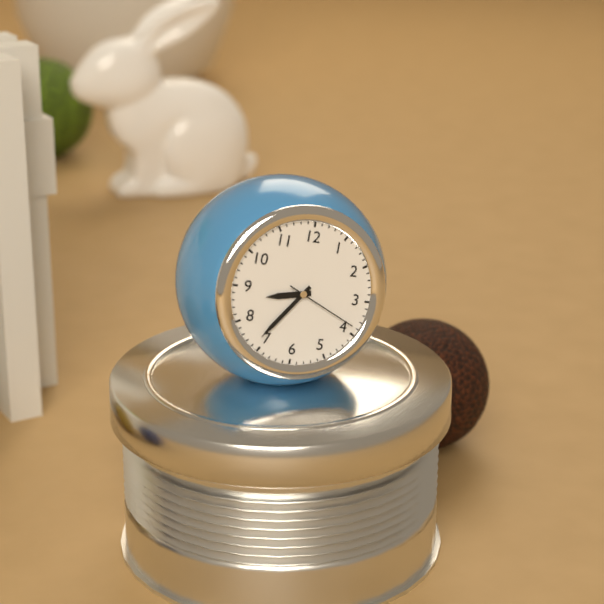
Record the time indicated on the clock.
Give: 8:36:19
